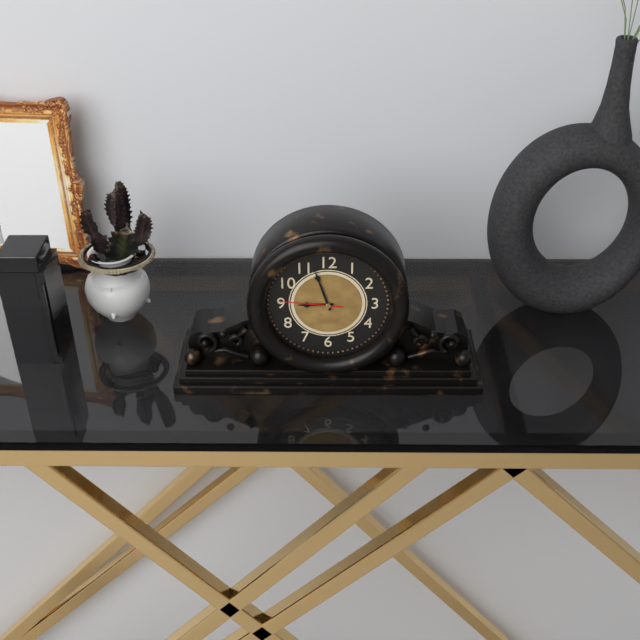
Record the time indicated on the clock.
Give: 8:57:46
